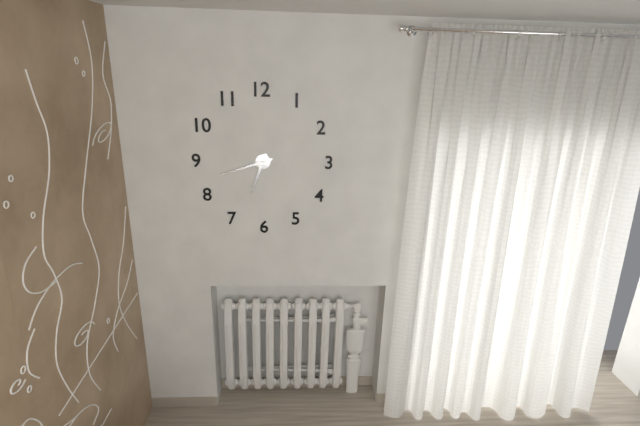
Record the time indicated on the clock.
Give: 6:42
